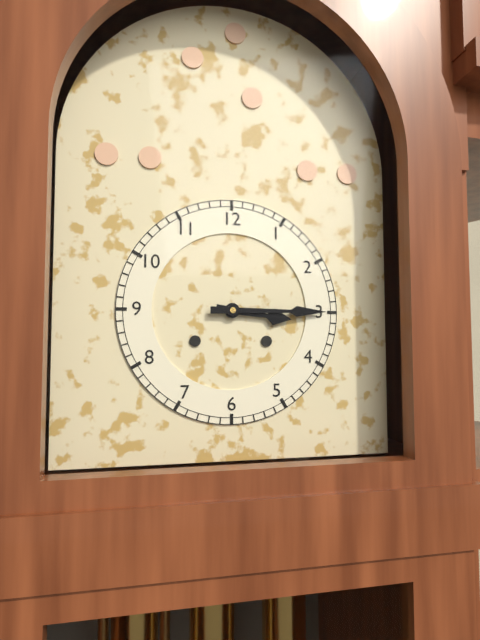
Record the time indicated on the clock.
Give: 3:15
